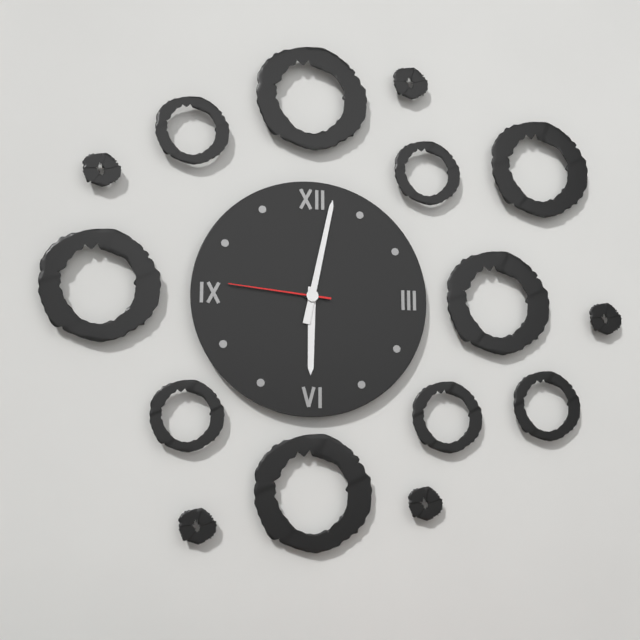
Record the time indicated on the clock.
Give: 6:02:46
